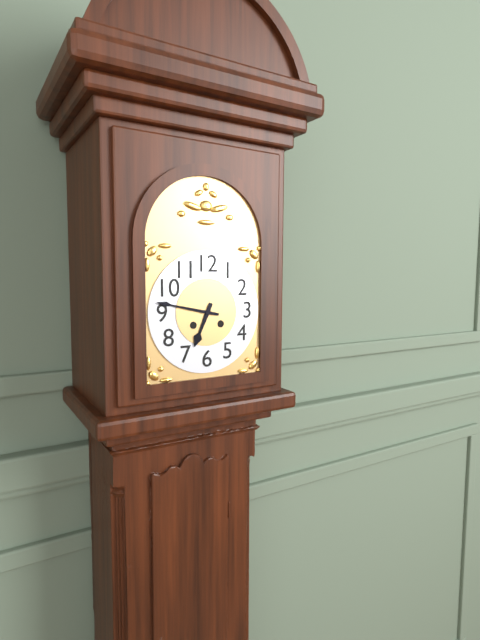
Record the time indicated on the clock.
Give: 6:47
